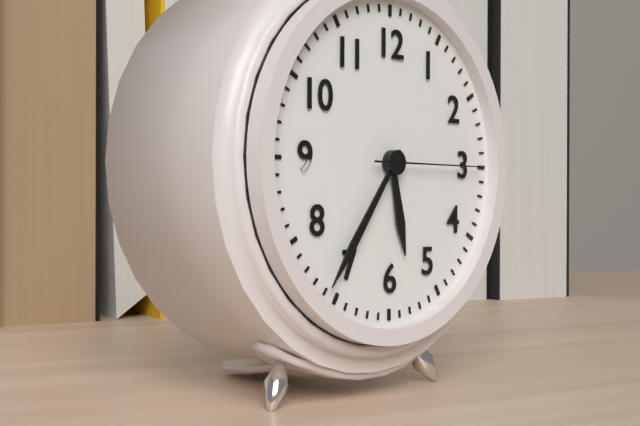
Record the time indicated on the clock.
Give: 5:36:15
